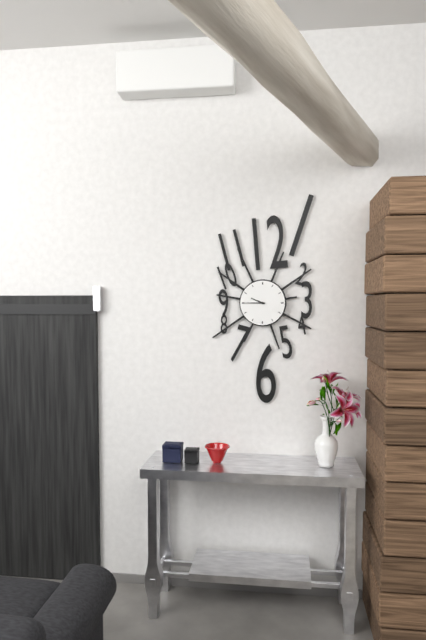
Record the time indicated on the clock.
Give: 9:45
